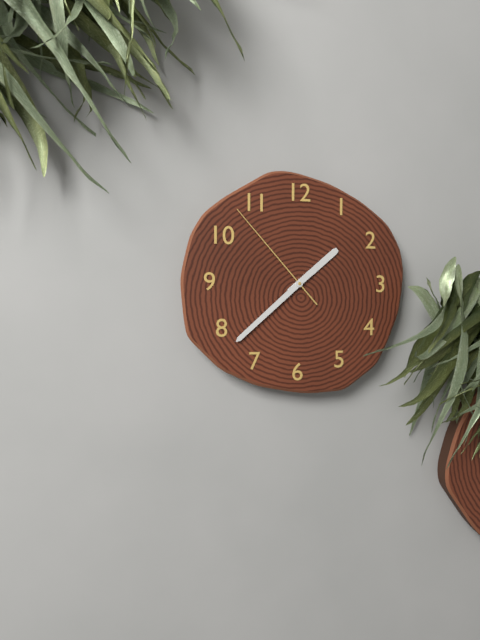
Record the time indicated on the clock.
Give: 1:38:53
